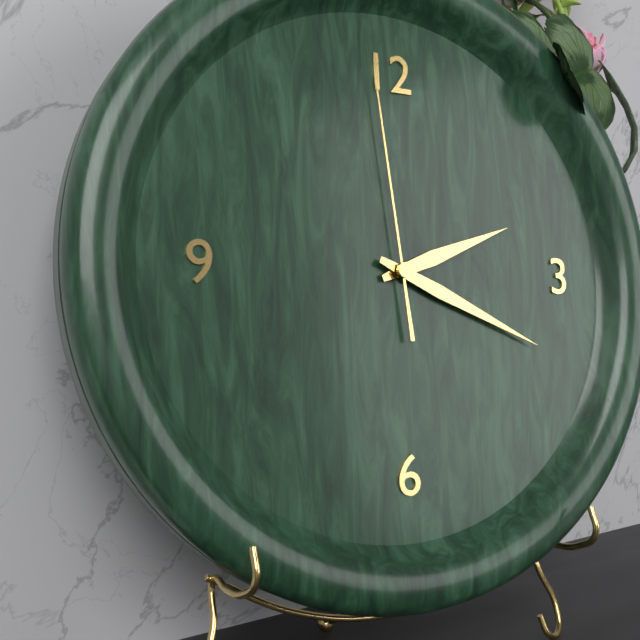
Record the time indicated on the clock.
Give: 2:19:59
